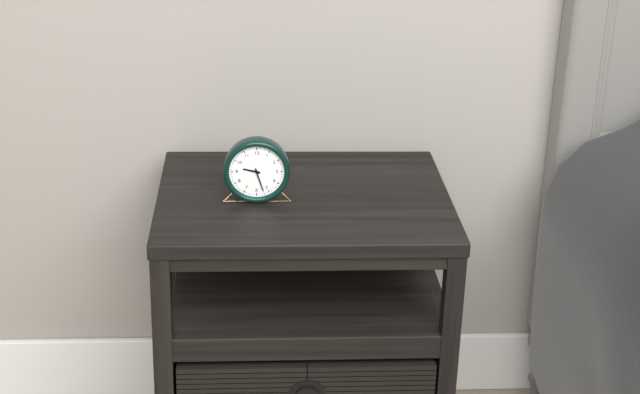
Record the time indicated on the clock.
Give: 9:27
